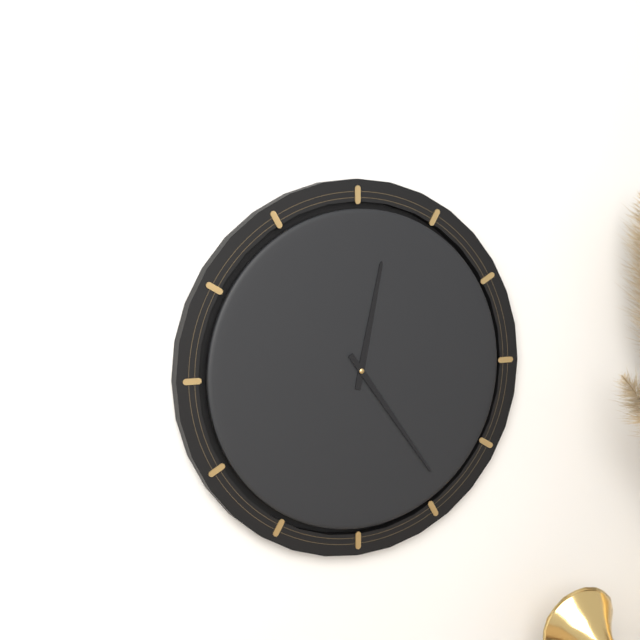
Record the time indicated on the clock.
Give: 12:24
